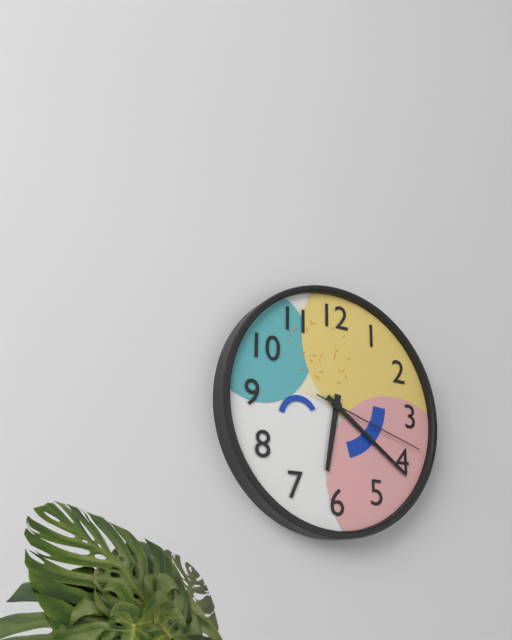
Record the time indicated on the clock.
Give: 6:21:18
